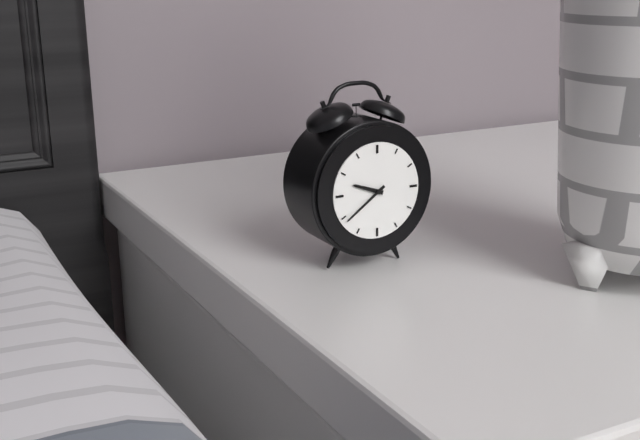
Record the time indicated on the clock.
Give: 9:39
